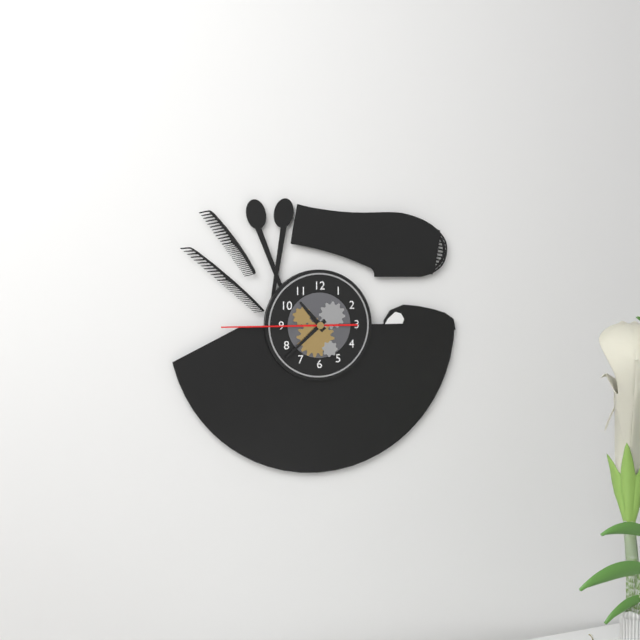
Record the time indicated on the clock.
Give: 10:38:45
